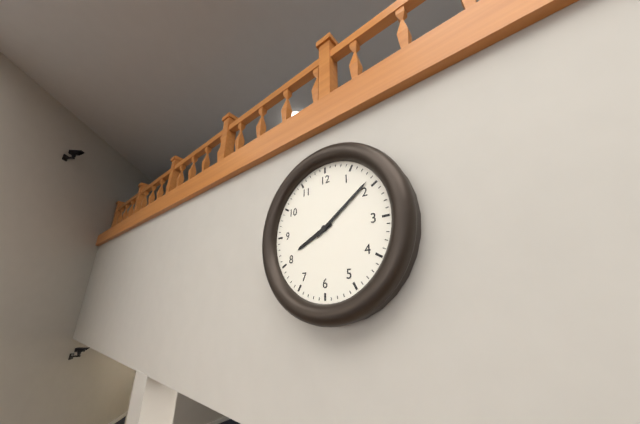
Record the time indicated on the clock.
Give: 8:09
